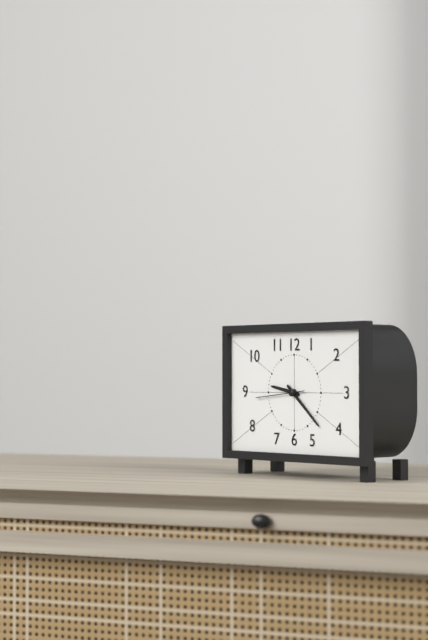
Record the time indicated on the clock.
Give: 9:22:44
